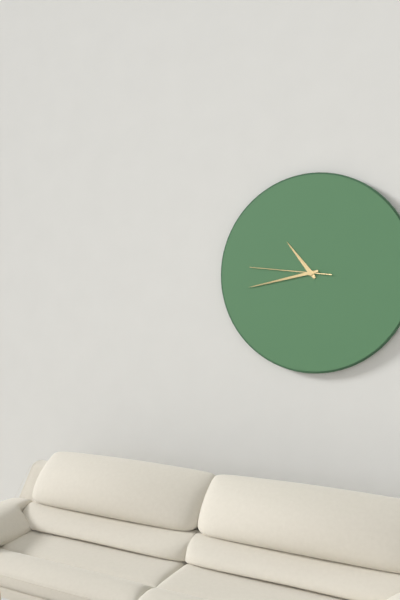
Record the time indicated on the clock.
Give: 10:43:46
